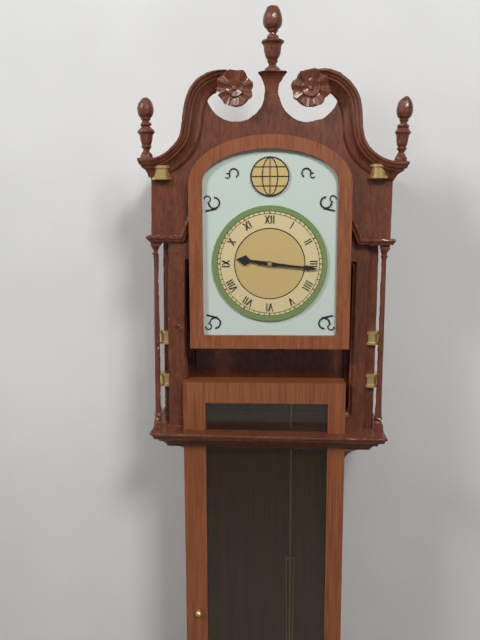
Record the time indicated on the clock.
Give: 9:16
